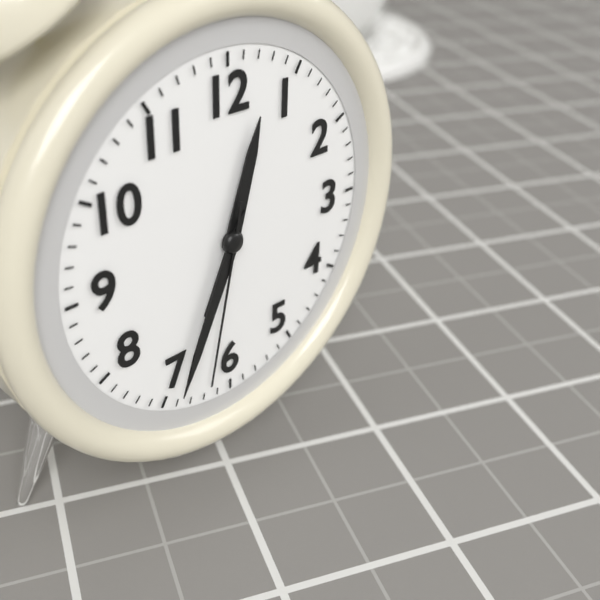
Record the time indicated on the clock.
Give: 12:34:32
